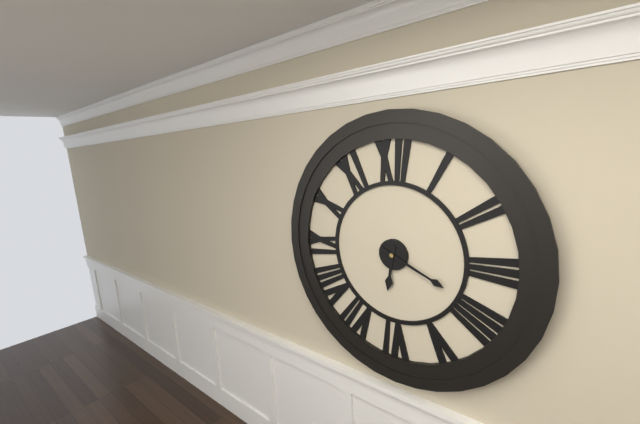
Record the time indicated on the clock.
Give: 6:19
